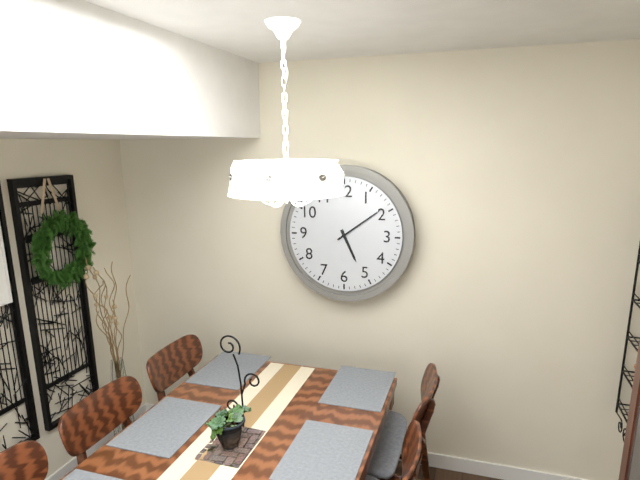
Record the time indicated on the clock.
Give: 5:09
